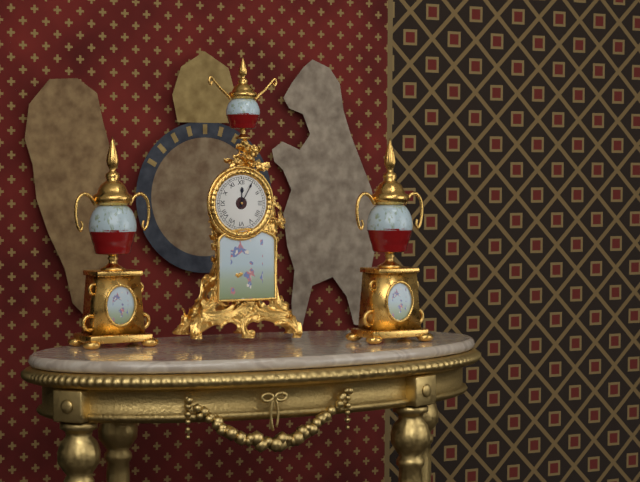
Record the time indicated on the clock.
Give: 12:05
